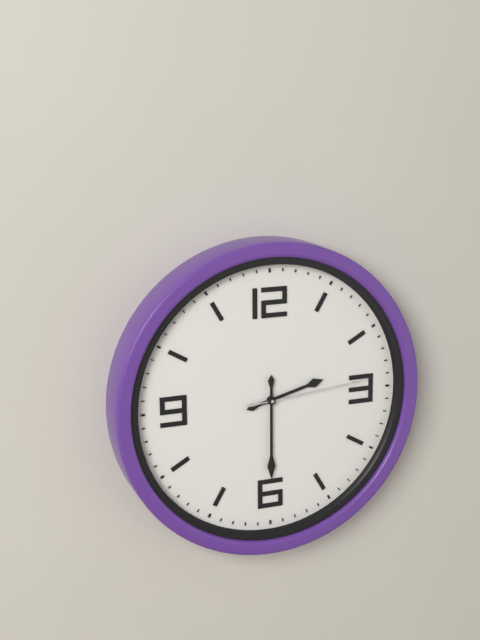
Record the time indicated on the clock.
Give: 2:30:14
